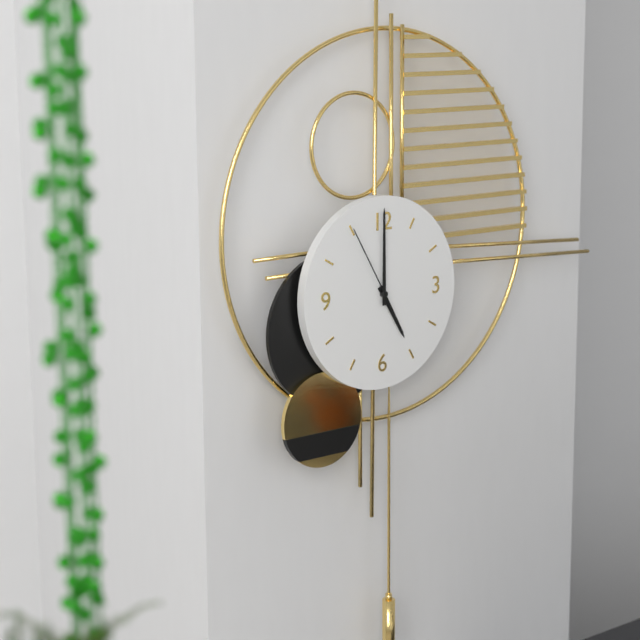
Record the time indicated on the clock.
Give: 5:00:55
